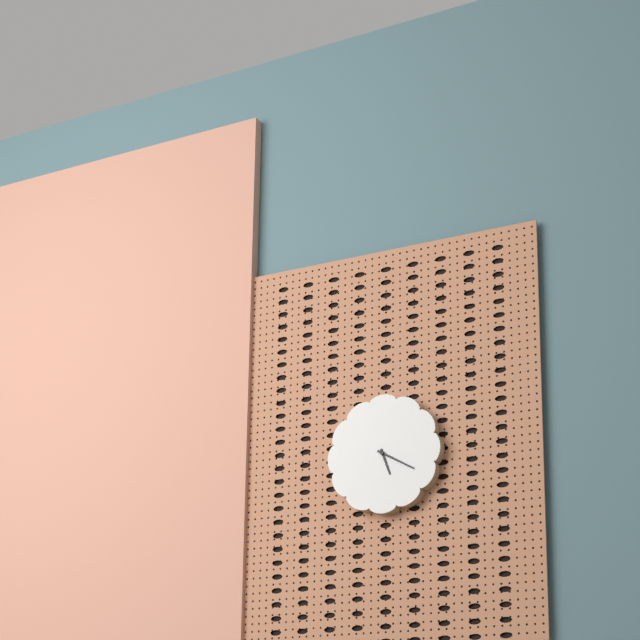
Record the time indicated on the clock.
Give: 5:20
